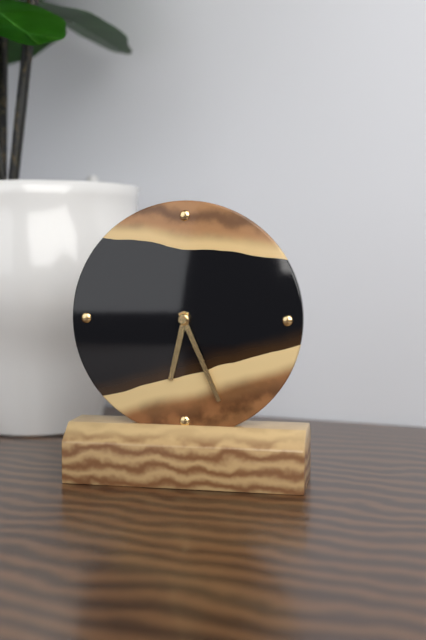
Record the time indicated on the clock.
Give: 6:26
